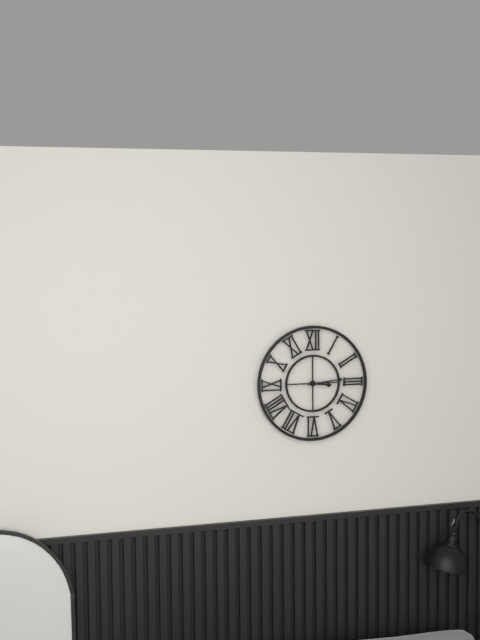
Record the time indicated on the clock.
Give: 3:14
